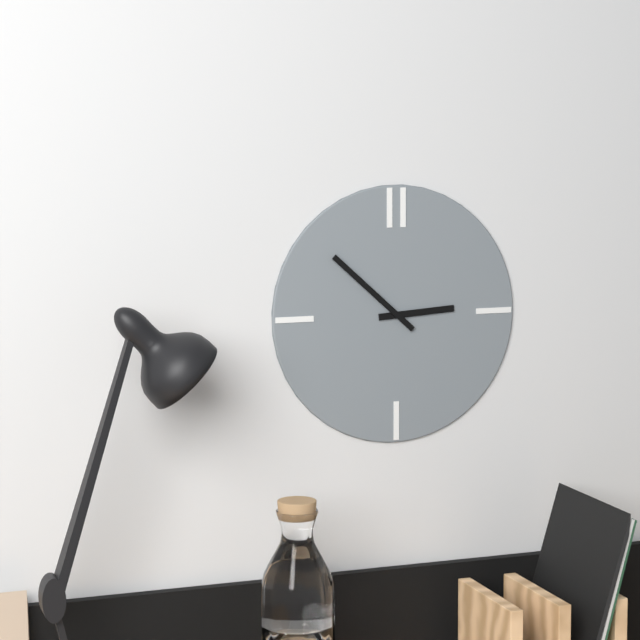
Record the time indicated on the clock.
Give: 2:52
